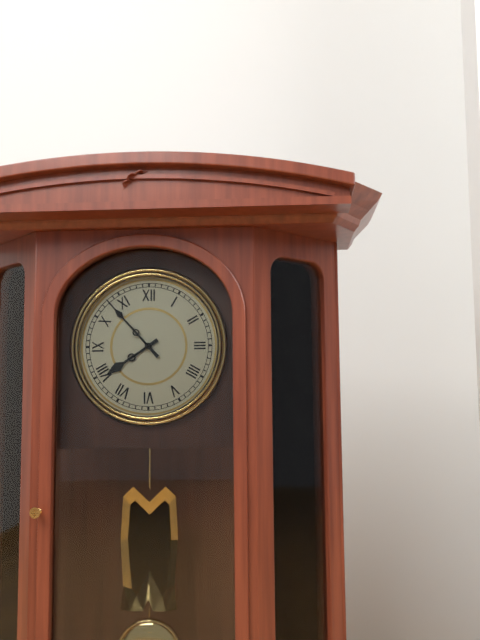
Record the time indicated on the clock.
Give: 7:53
